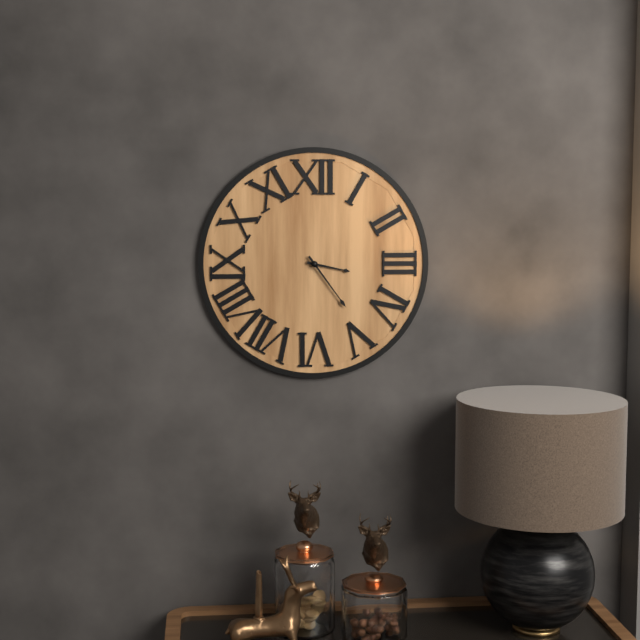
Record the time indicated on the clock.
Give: 3:24
